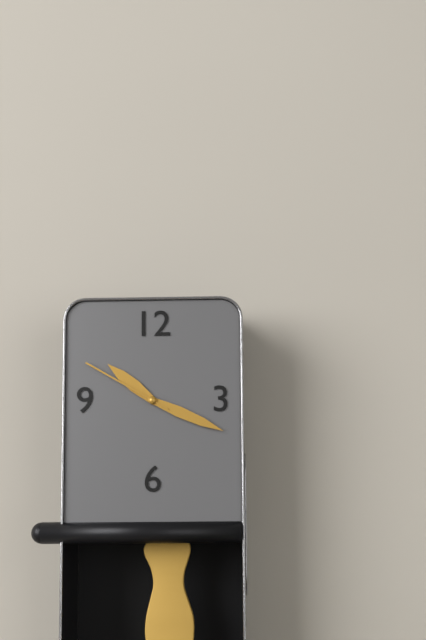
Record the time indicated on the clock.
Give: 10:19:50
